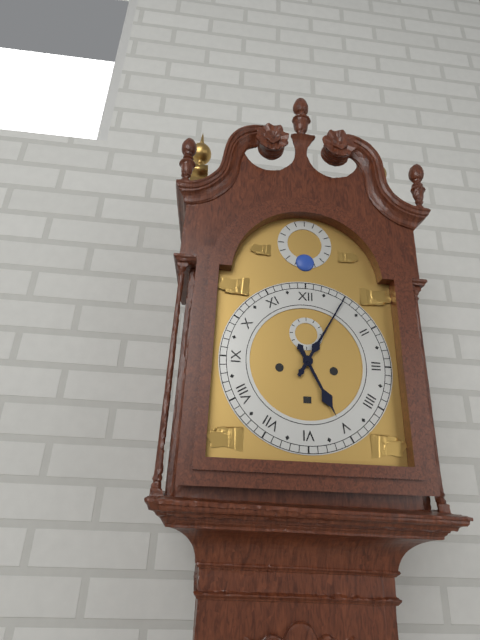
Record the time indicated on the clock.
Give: 5:05
